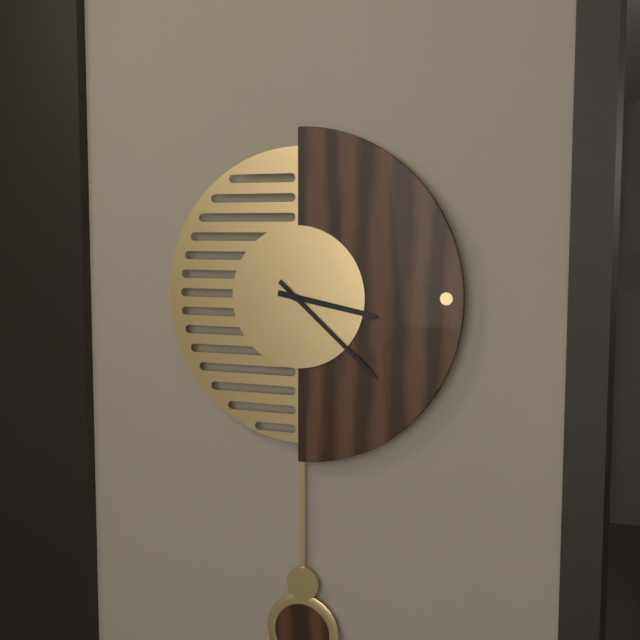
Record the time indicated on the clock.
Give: 3:22
